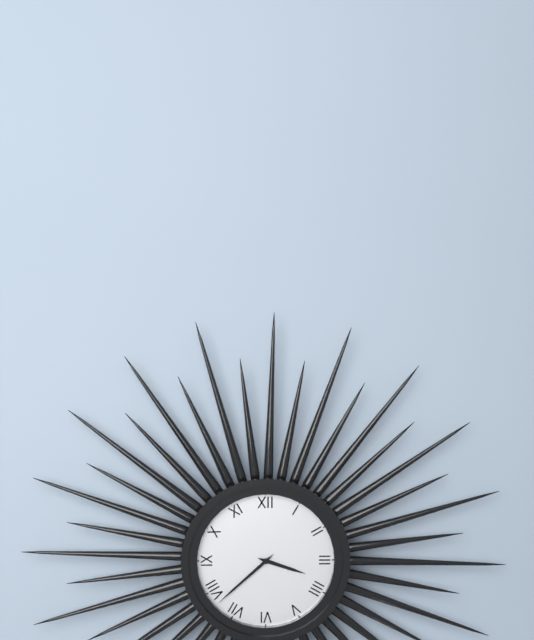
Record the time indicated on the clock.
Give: 3:38
